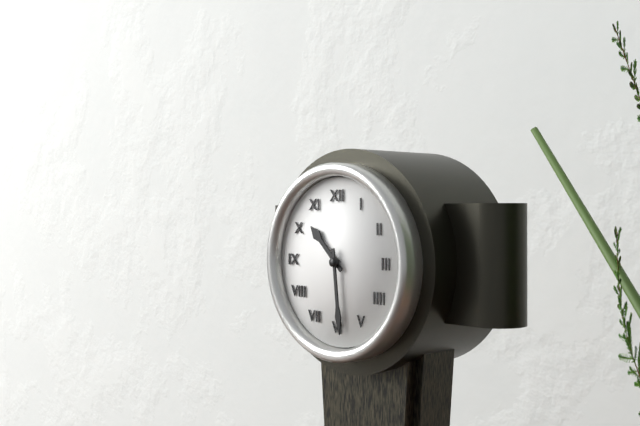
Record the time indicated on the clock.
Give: 10:29
